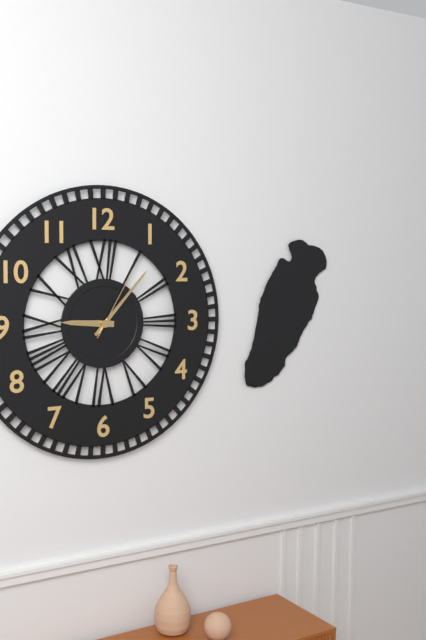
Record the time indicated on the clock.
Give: 9:07:05
